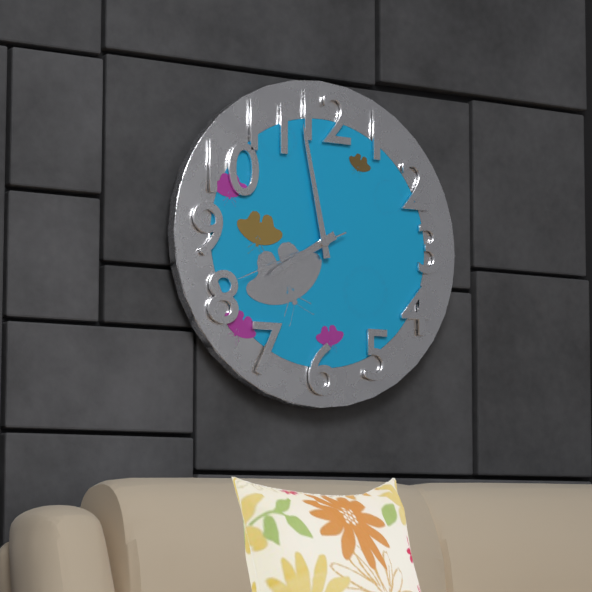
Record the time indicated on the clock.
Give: 7:58:41
